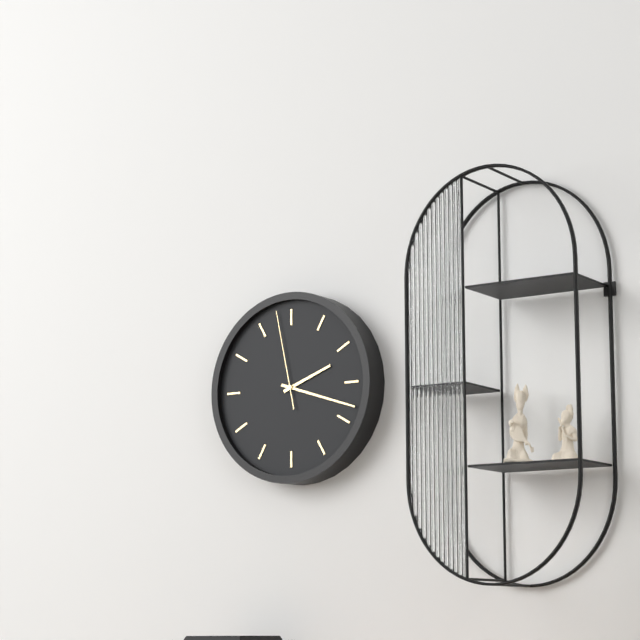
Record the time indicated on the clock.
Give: 2:18:58
